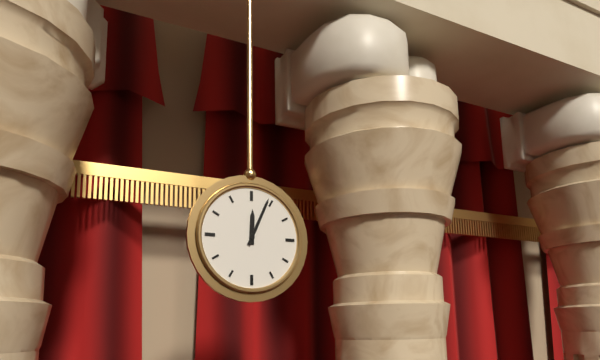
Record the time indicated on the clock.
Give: 12:04
